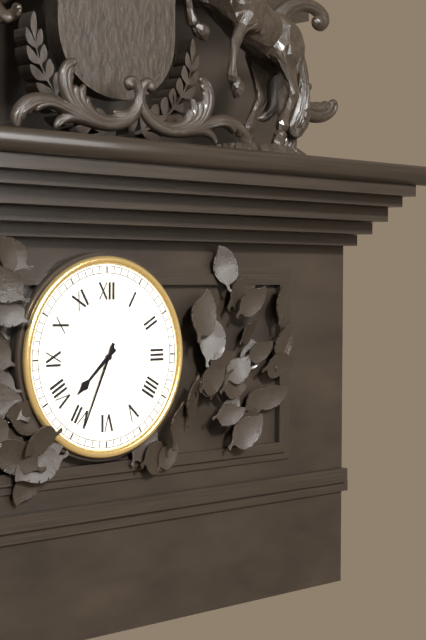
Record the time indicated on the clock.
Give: 7:34
